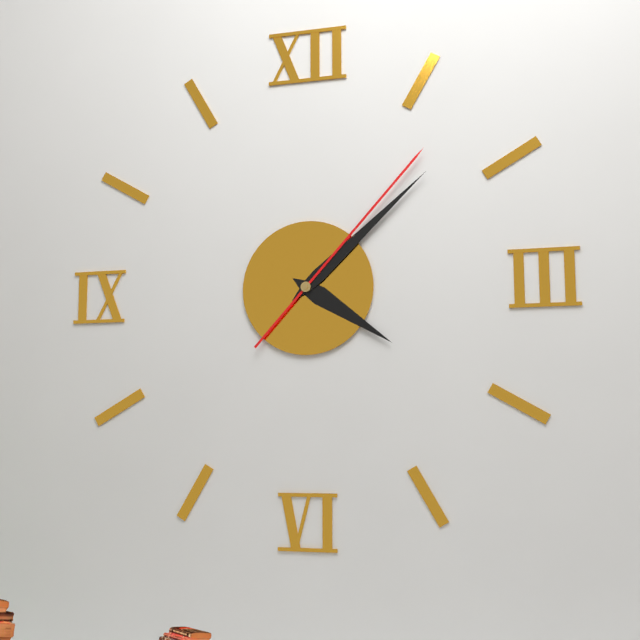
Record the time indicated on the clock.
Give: 4:08:07
